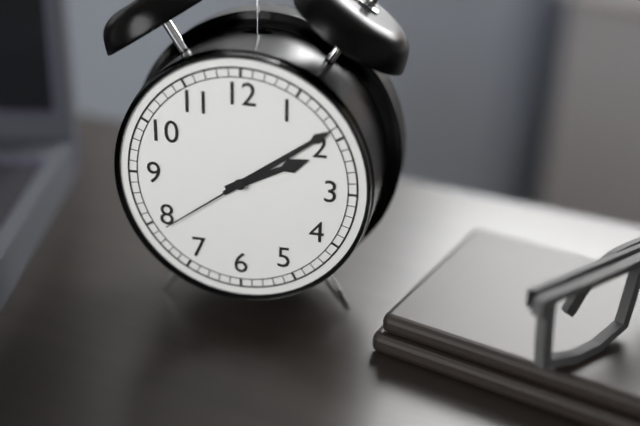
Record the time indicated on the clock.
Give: 2:09:39
